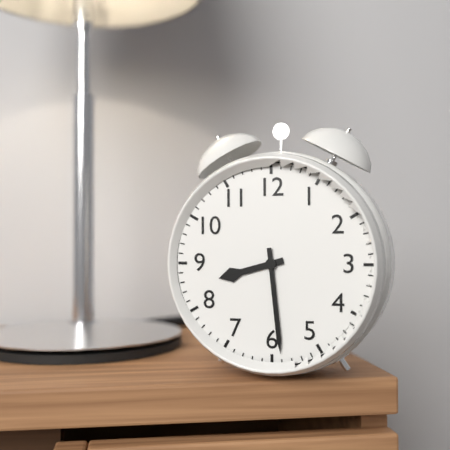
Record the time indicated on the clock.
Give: 8:29
